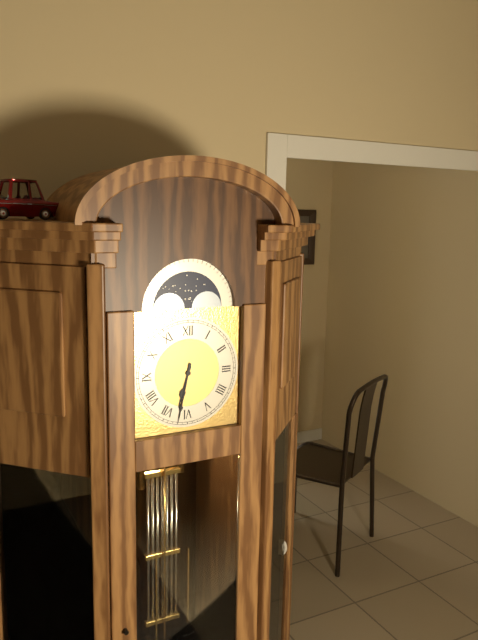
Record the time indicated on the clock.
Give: 6:32
